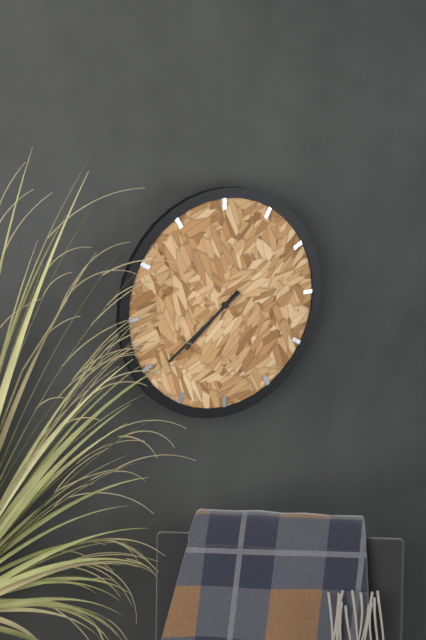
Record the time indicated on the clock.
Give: 7:39
